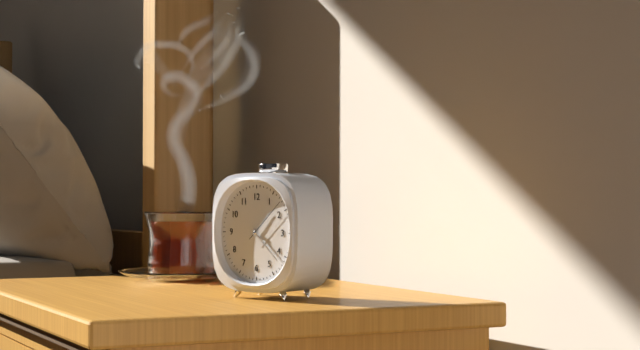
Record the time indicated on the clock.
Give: 1:22:08
